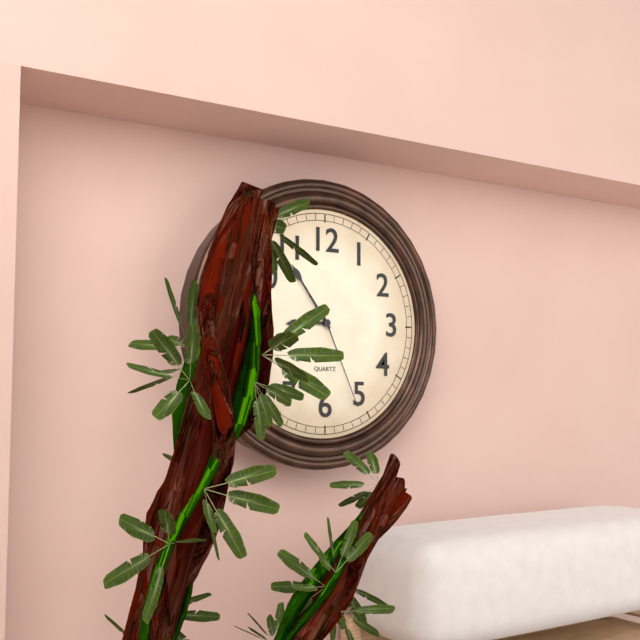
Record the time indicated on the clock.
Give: 8:54:26
